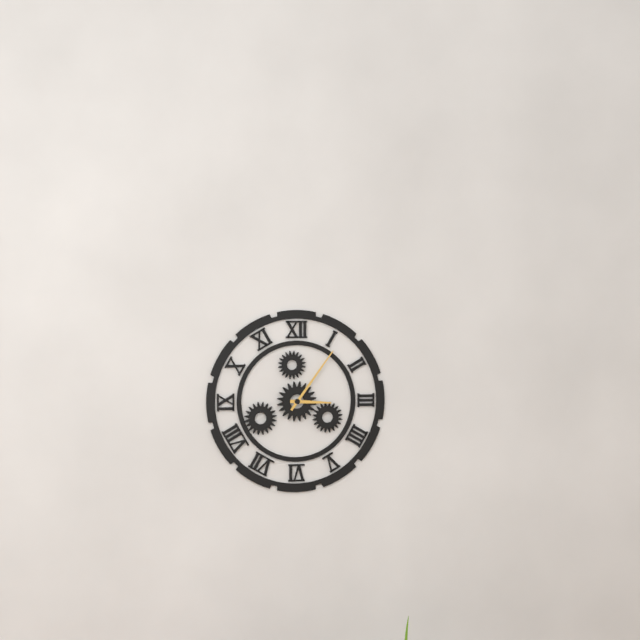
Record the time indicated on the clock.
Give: 3:06
